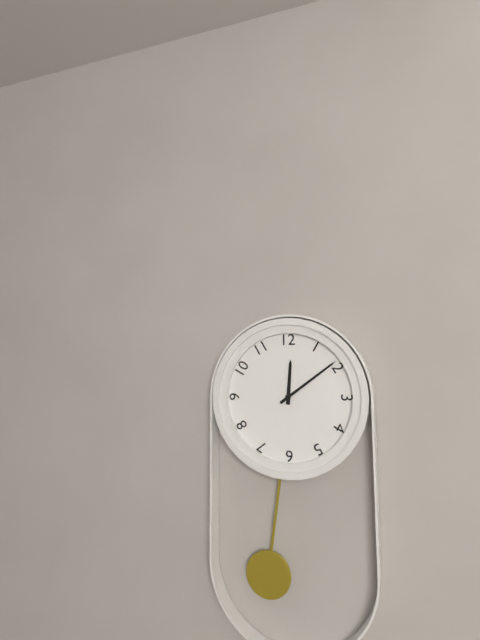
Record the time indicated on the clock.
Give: 12:09
